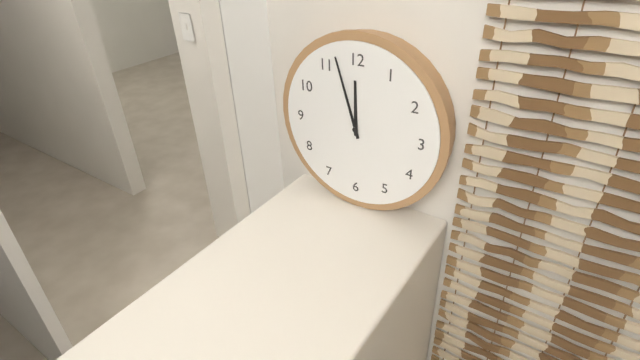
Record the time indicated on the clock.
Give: 11:57
